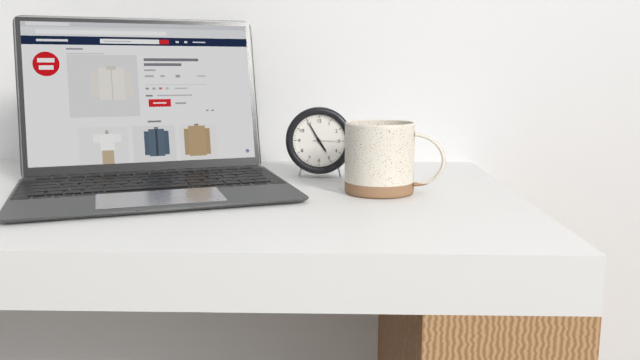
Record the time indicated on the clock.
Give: 4:55
